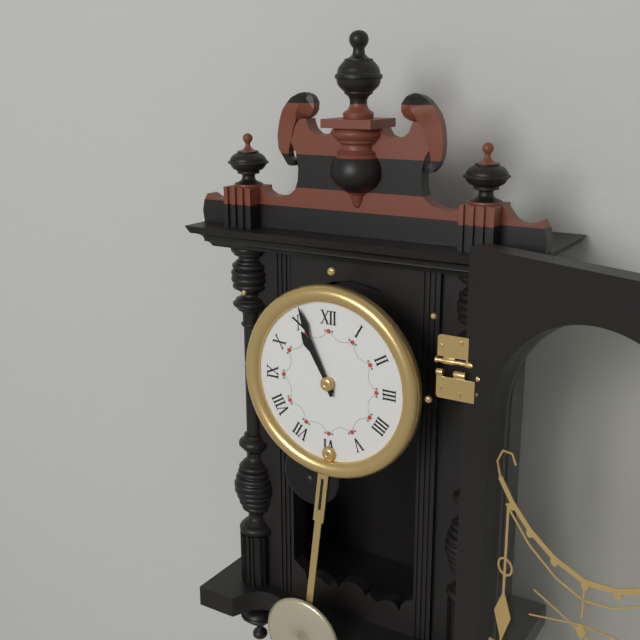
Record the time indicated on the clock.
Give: 10:56
